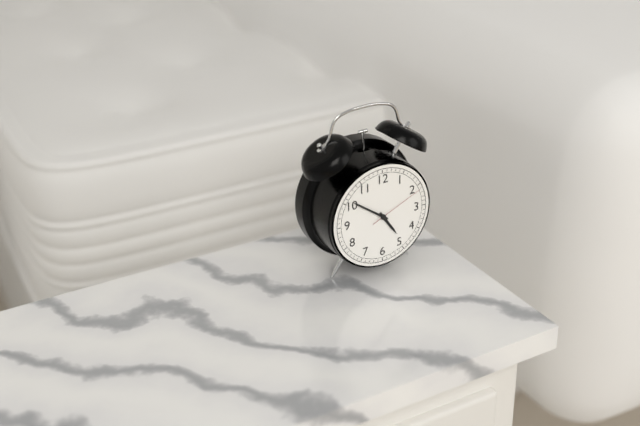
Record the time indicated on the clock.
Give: 4:51:11
